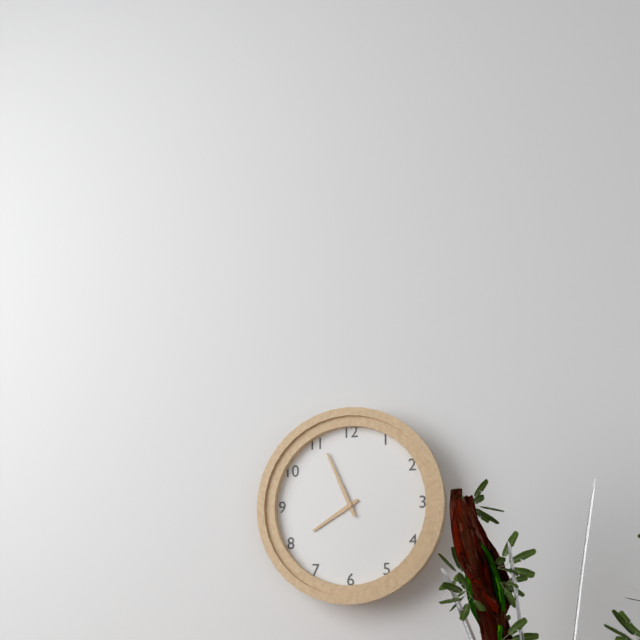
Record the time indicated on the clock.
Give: 7:56
